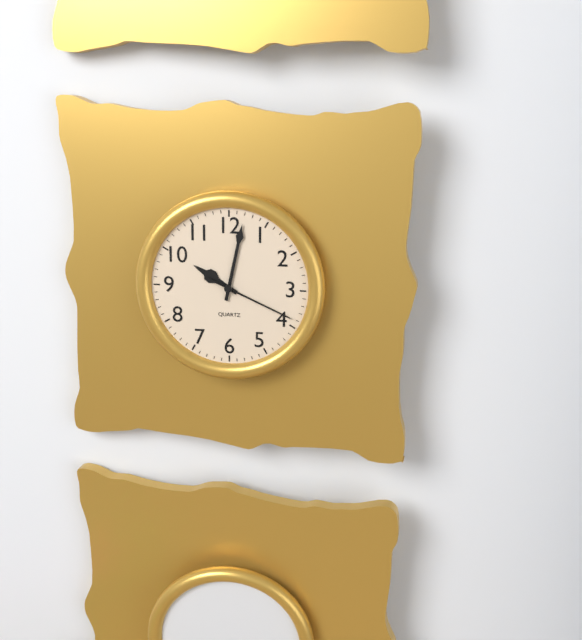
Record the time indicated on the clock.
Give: 10:02:19
